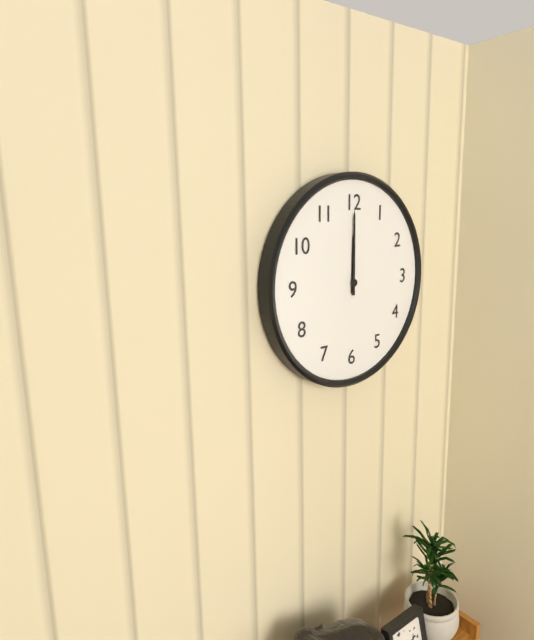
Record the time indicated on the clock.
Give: 12:00
